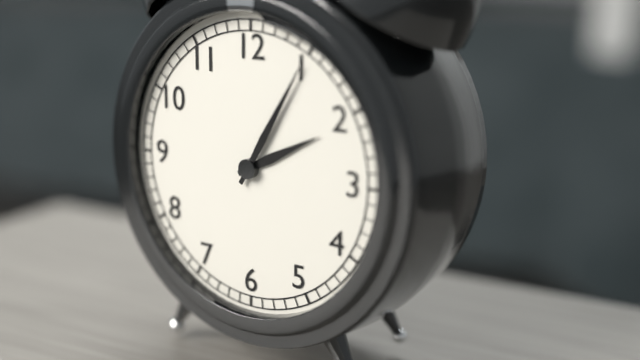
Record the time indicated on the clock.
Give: 2:05
